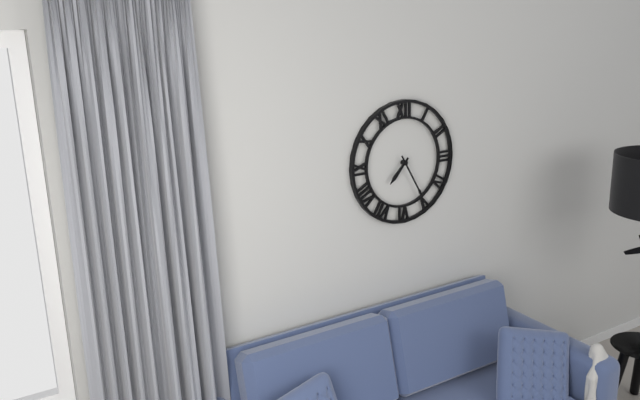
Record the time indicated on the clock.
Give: 7:25
